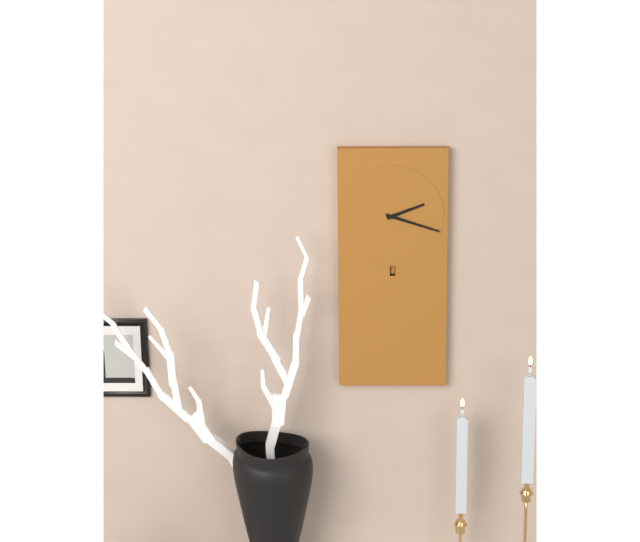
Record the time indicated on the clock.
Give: 2:18
